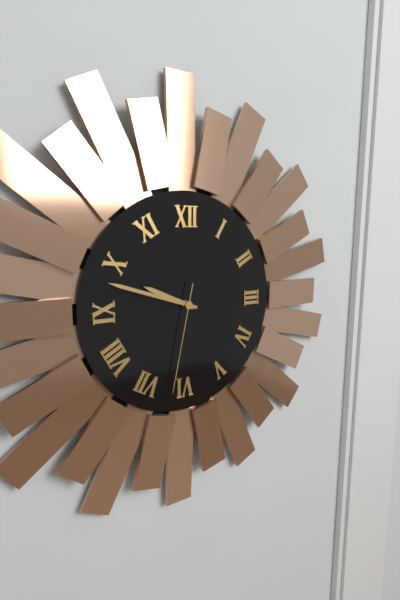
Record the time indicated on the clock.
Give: 9:48:32
